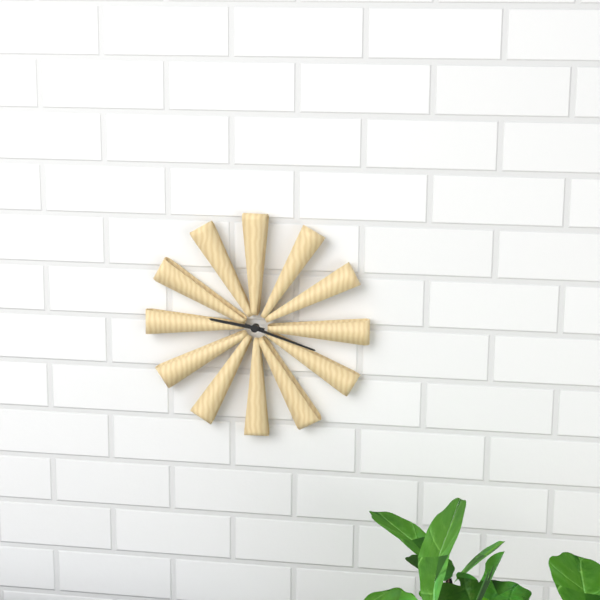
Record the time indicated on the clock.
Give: 9:18
